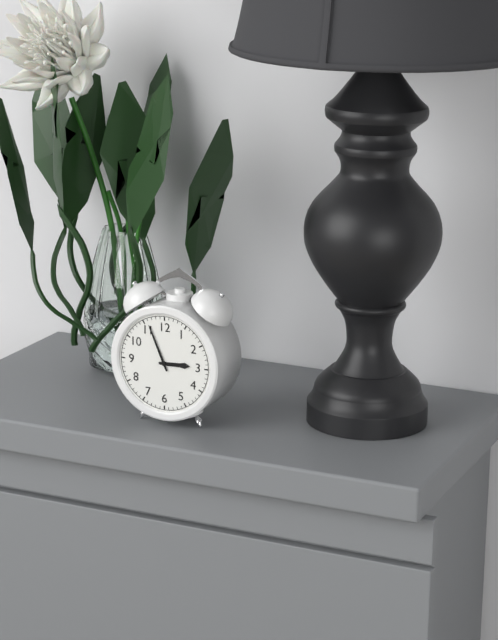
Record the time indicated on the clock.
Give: 2:56
